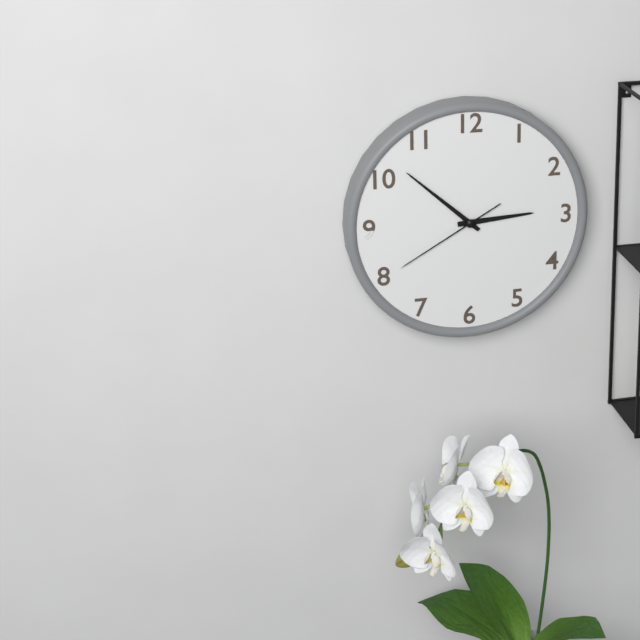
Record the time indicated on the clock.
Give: 2:52:40
